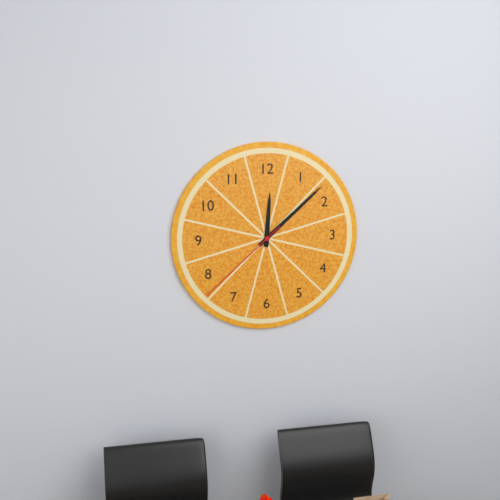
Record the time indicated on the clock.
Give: 12:08:38
